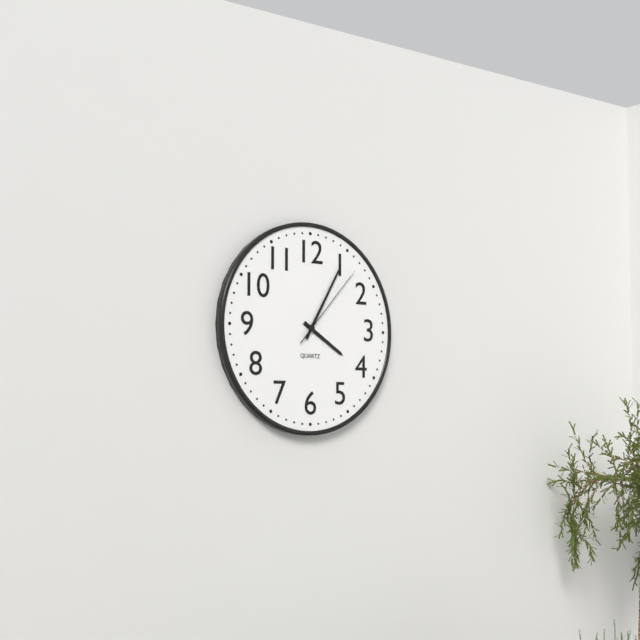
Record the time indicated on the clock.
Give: 4:05:07
